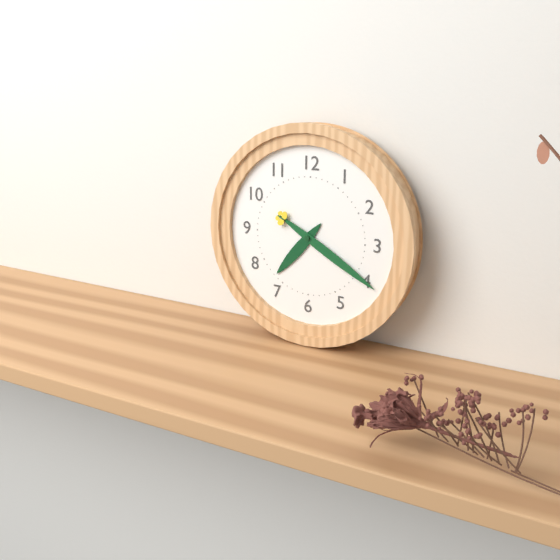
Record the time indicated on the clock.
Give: 7:20
